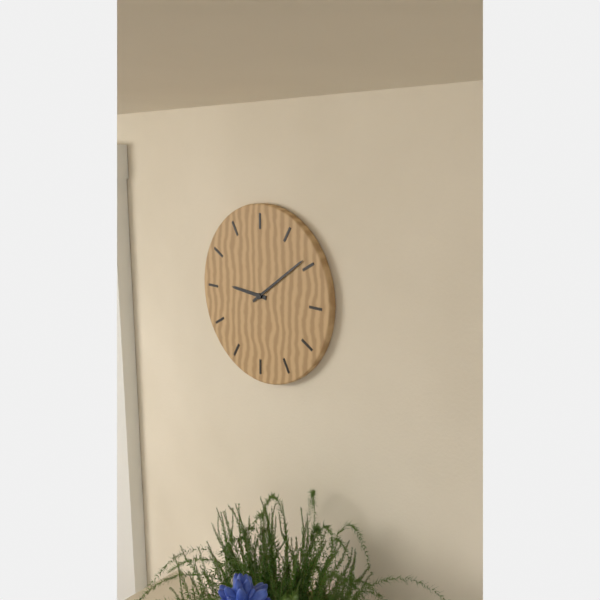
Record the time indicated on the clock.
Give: 9:09
